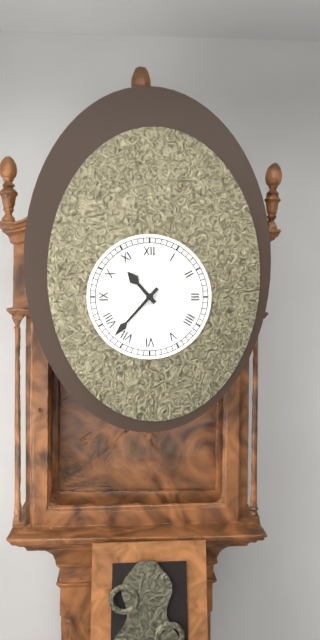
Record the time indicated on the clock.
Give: 10:37
